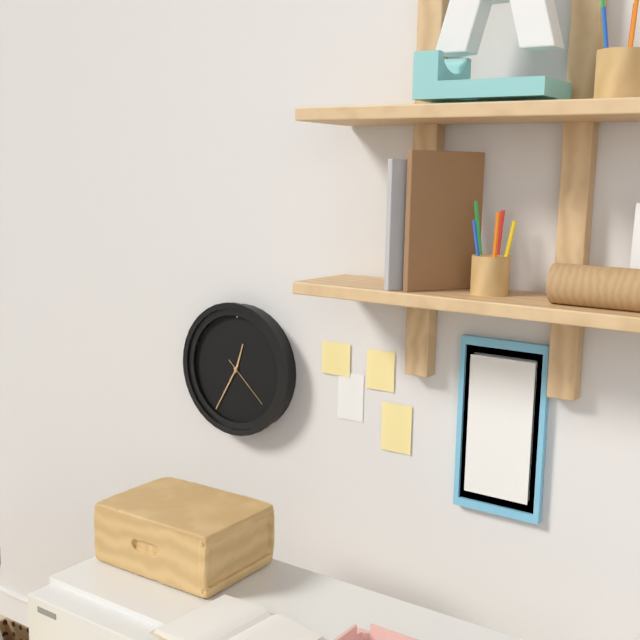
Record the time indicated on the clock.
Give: 12:35:22
